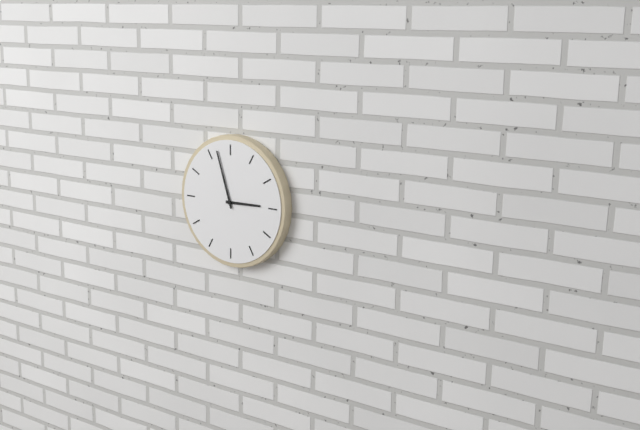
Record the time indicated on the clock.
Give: 2:57
